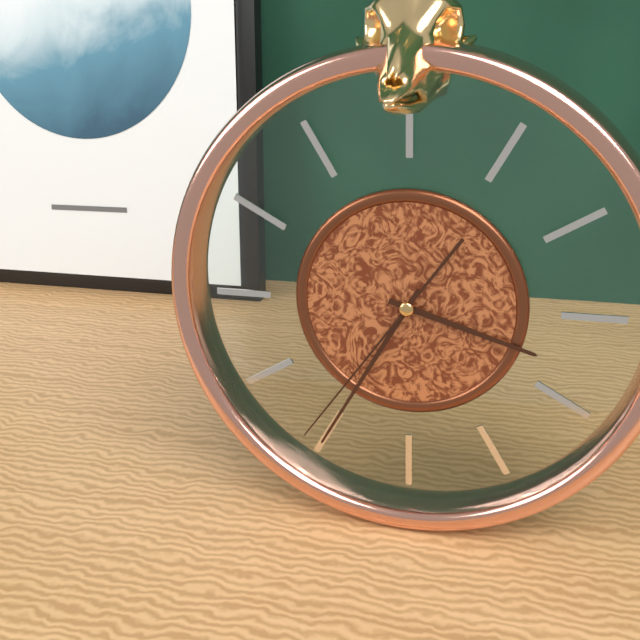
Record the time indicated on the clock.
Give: 3:35:36
